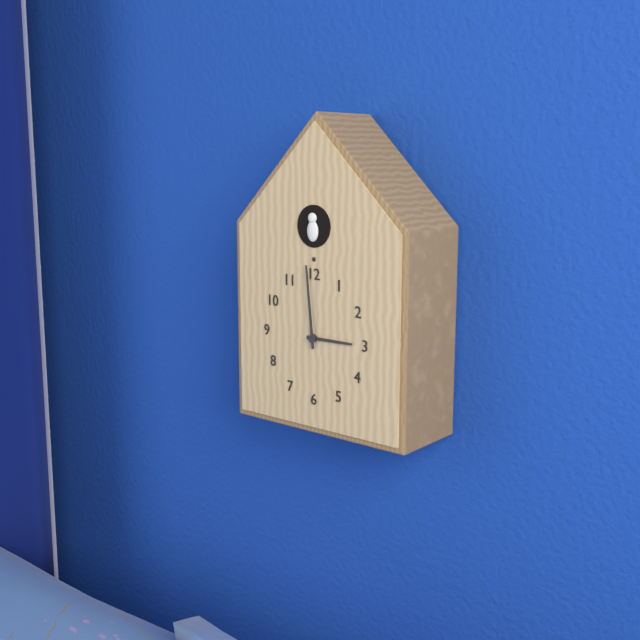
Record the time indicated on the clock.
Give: 2:59
